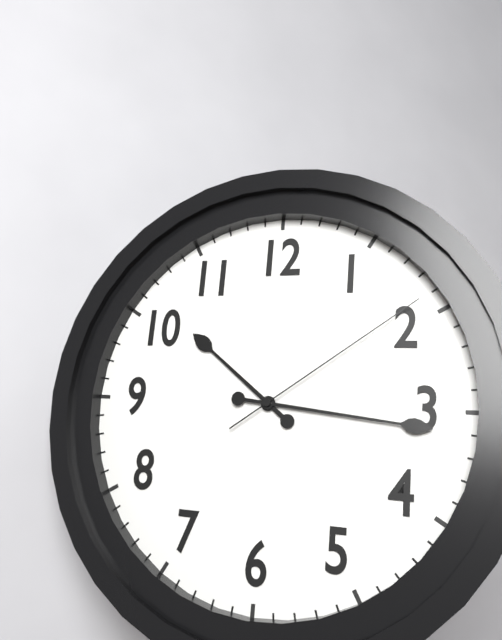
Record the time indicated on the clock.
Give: 10:16:09
